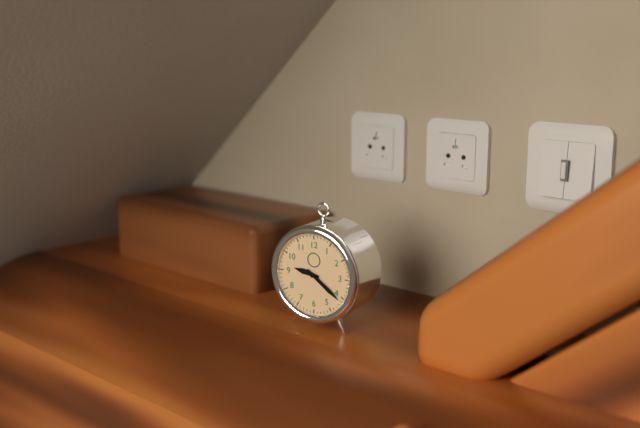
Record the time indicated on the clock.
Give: 9:21
